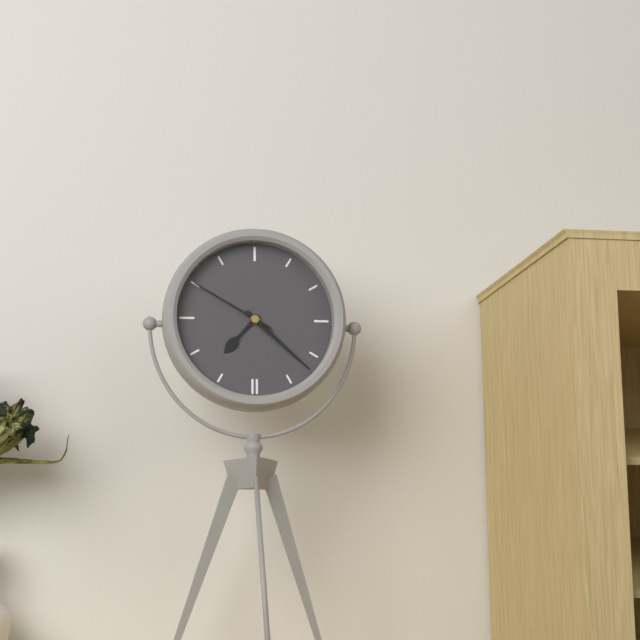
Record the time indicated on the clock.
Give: 7:22:50
